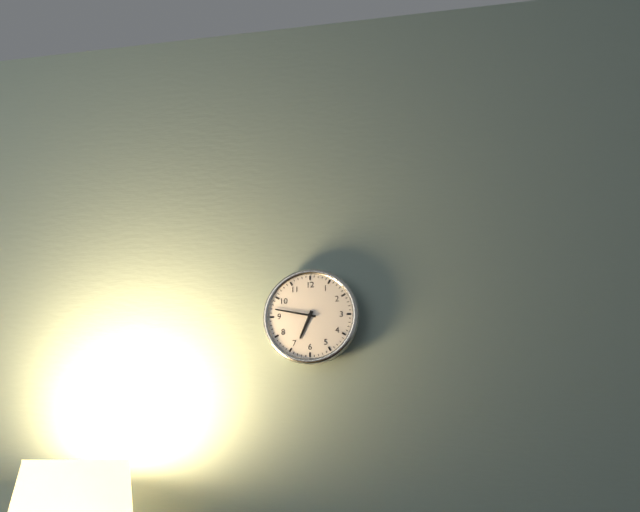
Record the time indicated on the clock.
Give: 6:47
